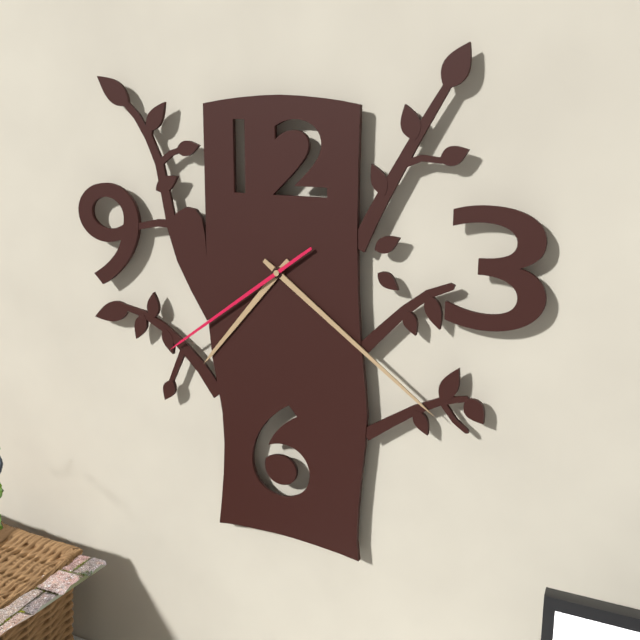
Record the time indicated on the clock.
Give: 7:21:39
